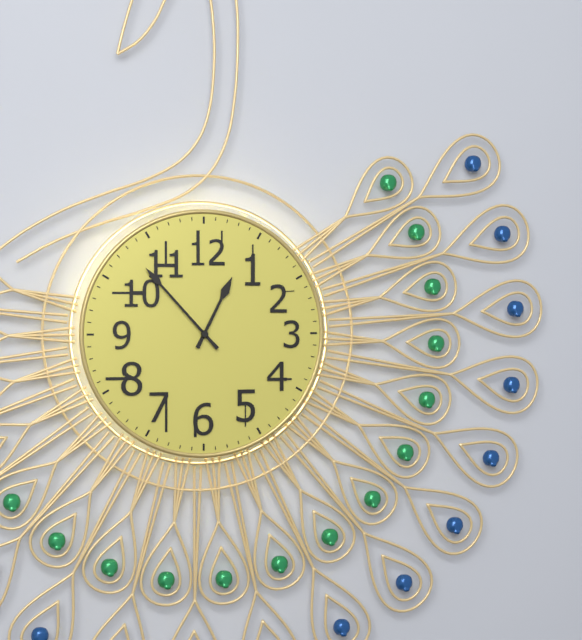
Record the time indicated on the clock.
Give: 12:53
